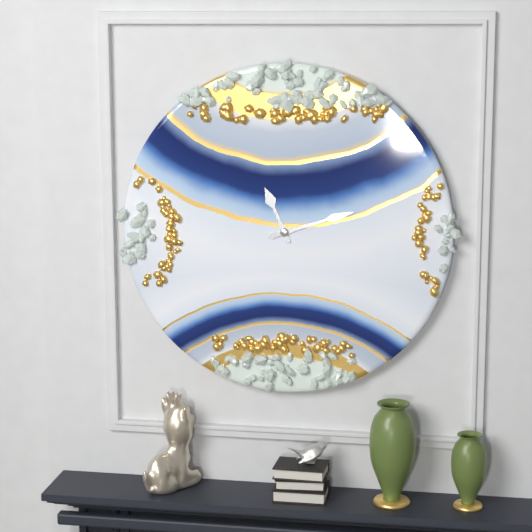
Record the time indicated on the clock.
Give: 11:12
